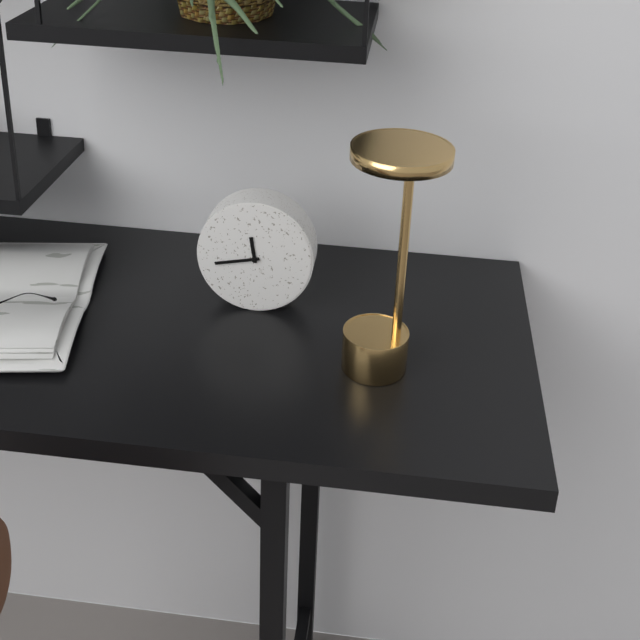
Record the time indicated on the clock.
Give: 11:43
